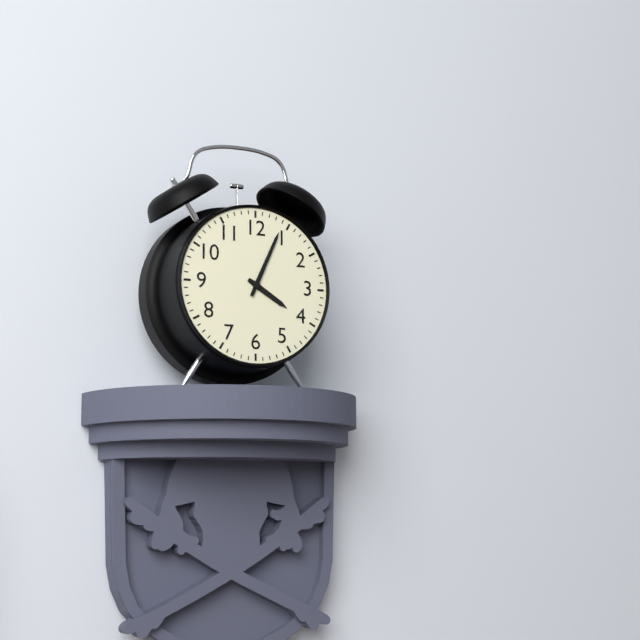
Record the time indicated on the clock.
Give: 4:04
